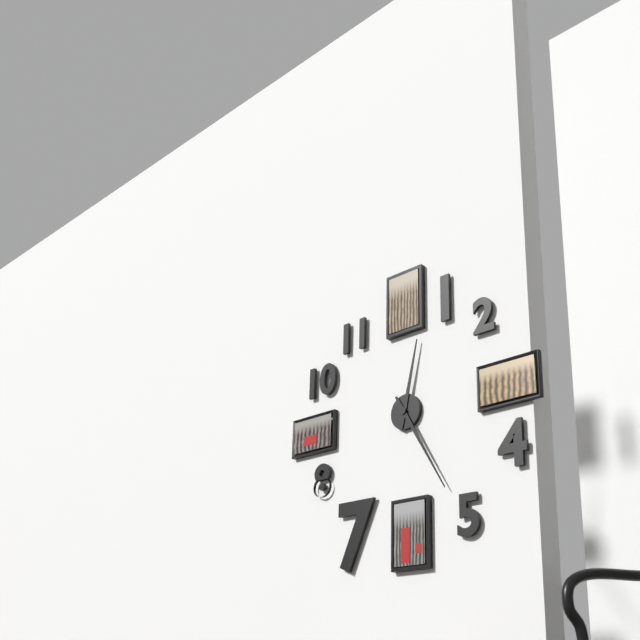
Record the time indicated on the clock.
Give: 12:25
